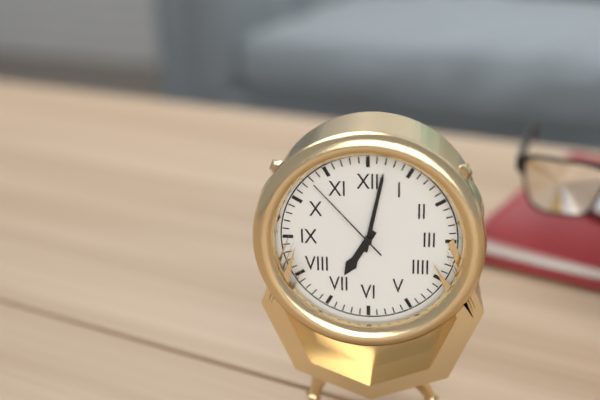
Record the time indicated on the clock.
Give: 7:02:53
